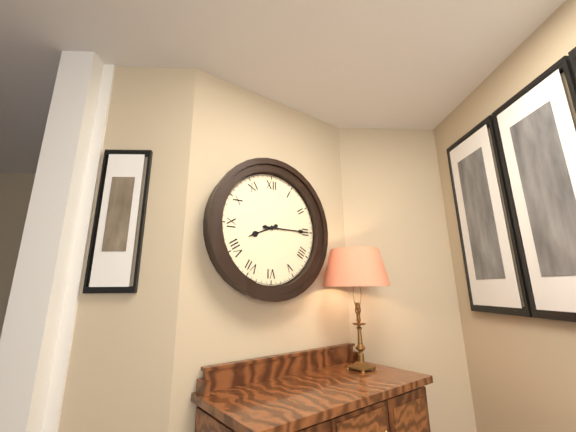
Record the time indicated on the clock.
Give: 8:15
